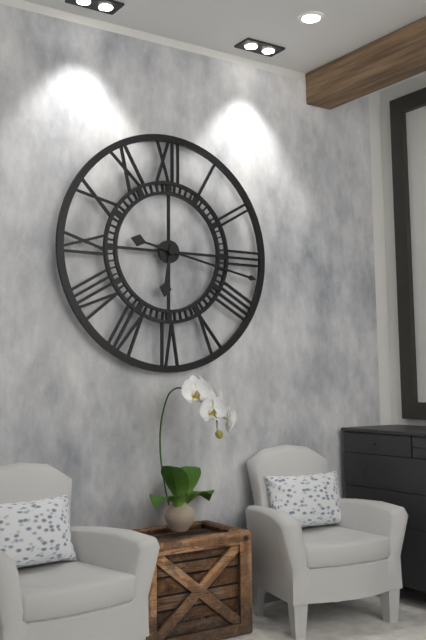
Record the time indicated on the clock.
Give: 6:17
